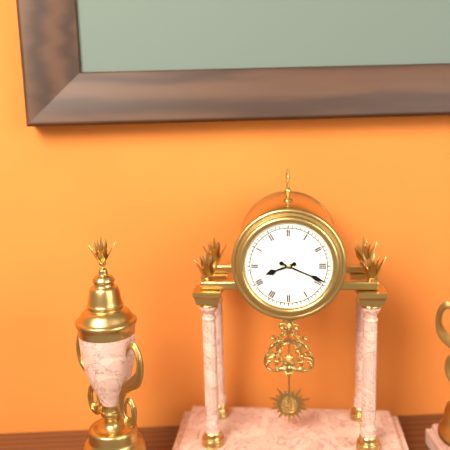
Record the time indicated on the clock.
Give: 8:19
